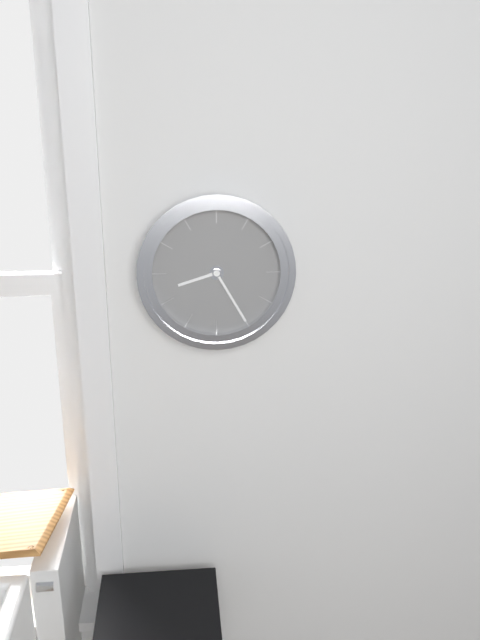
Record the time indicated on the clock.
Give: 8:25
